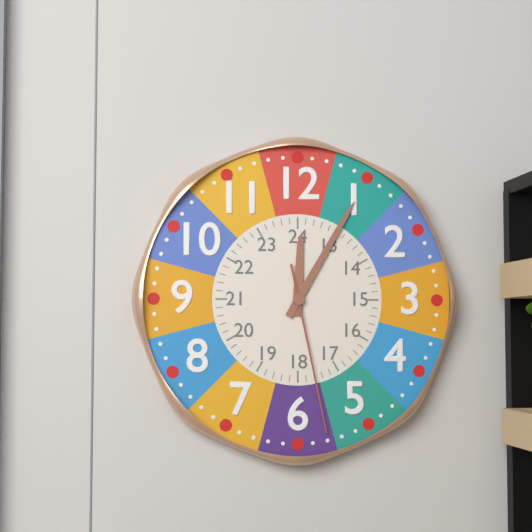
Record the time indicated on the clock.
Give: 12:05:28
